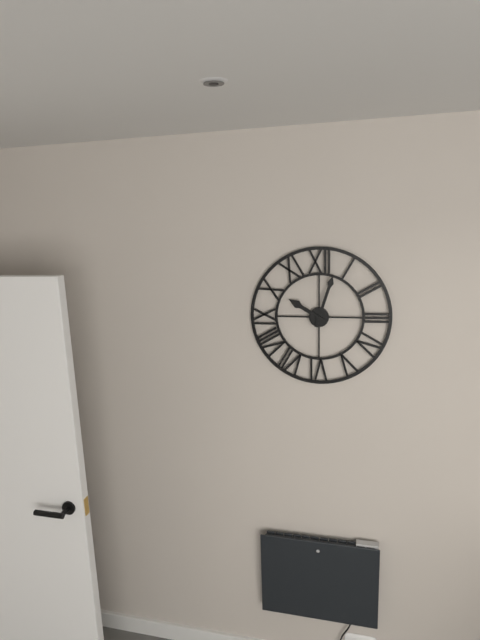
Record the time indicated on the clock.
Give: 10:03
